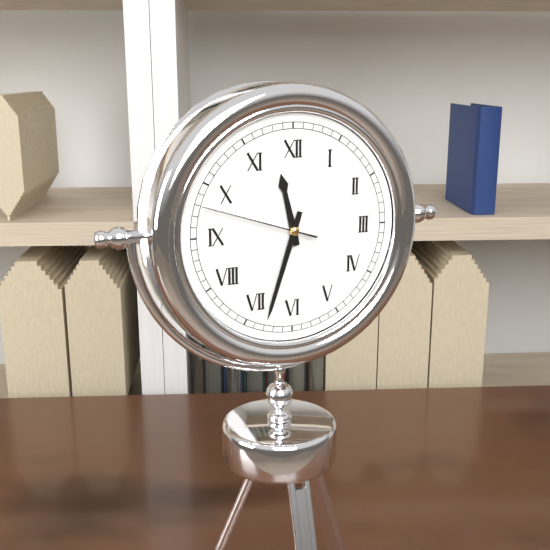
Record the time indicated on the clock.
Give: 11:33:48
